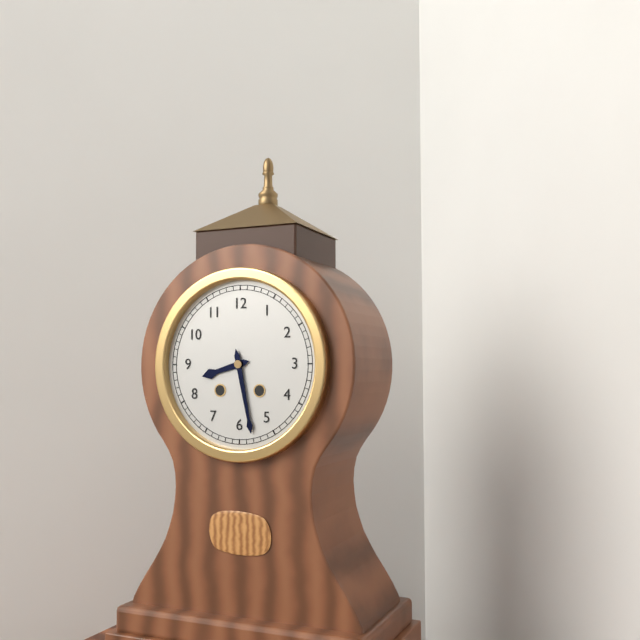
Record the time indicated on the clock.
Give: 8:28
